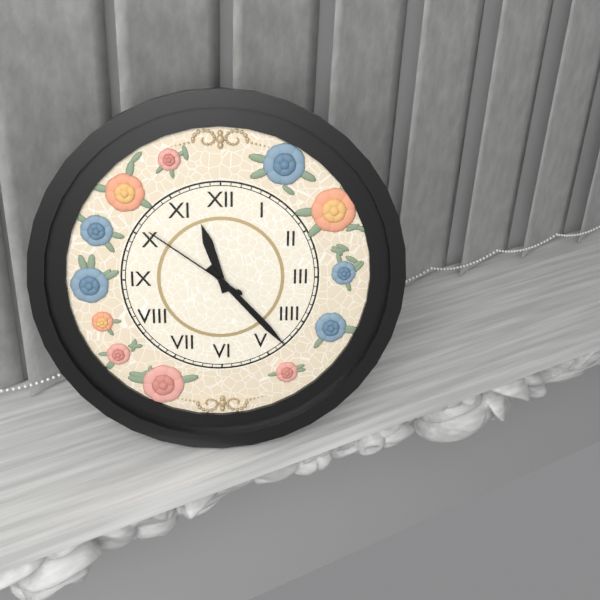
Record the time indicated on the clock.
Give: 11:23:51
